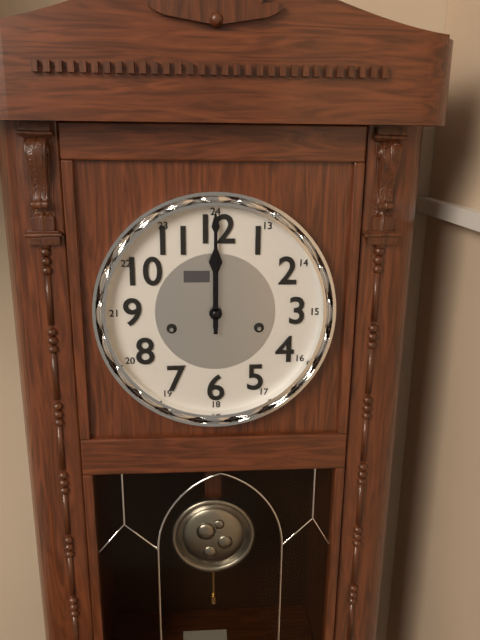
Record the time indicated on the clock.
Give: 12:00
